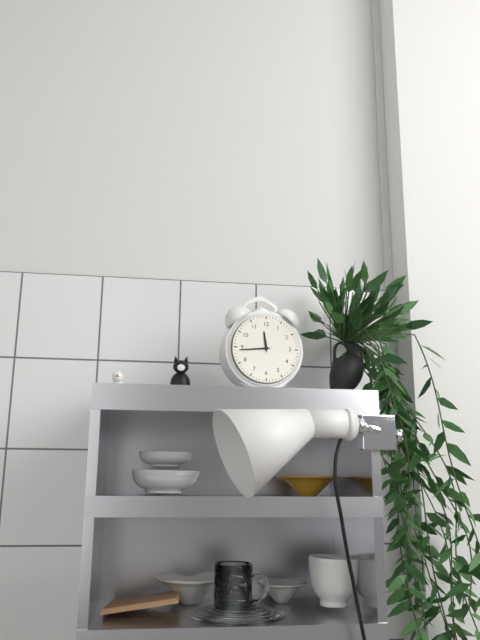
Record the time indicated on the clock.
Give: 11:44
